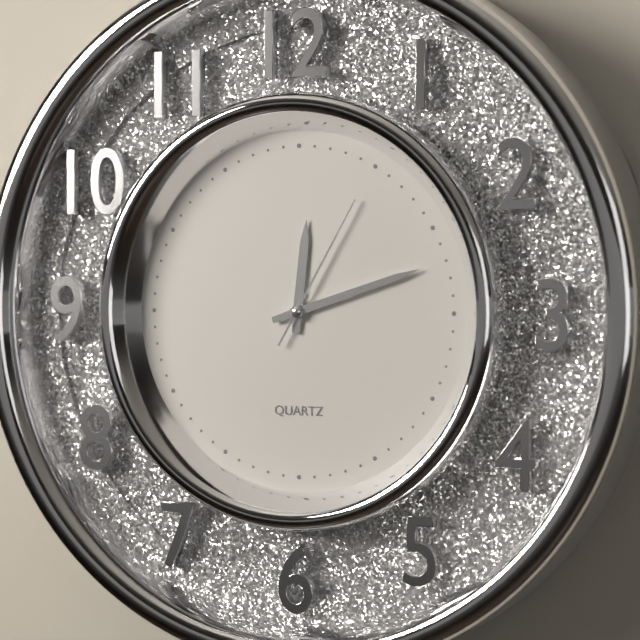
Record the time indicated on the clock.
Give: 12:12:05
